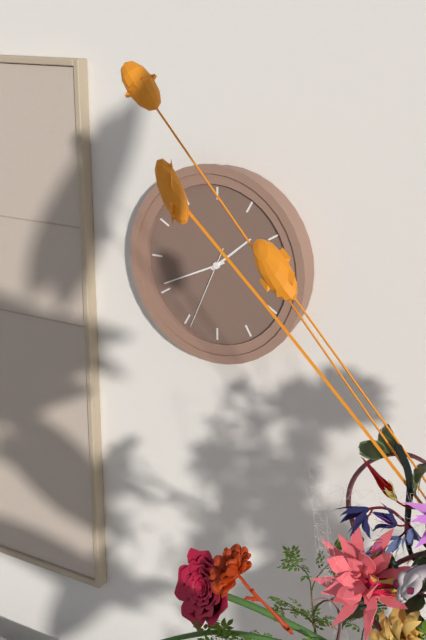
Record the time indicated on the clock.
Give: 1:41:34
